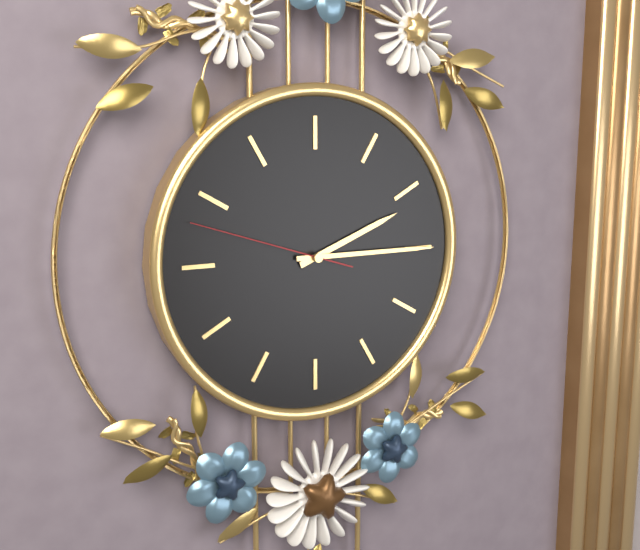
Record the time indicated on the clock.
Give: 2:15:48
